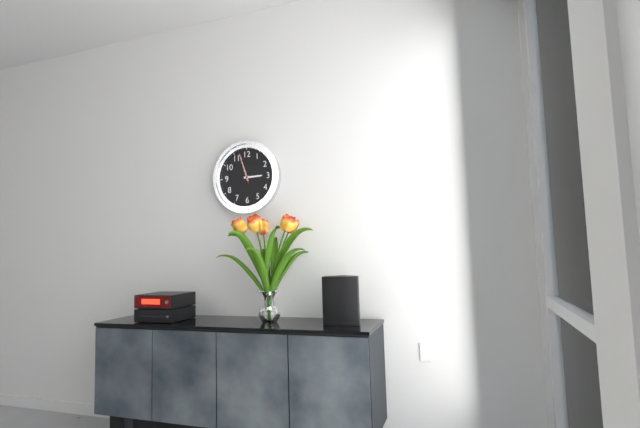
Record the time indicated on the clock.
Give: 2:57
